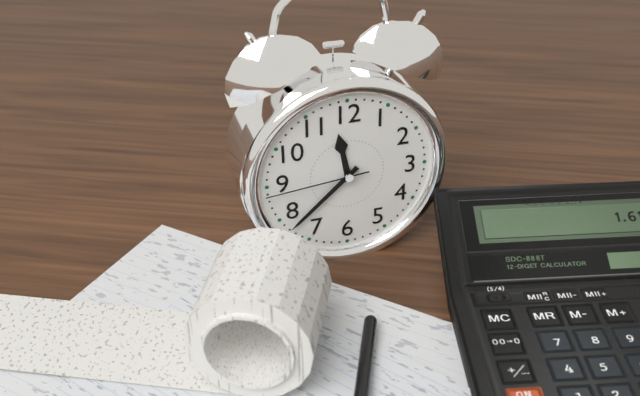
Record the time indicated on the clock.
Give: 11:38:44
